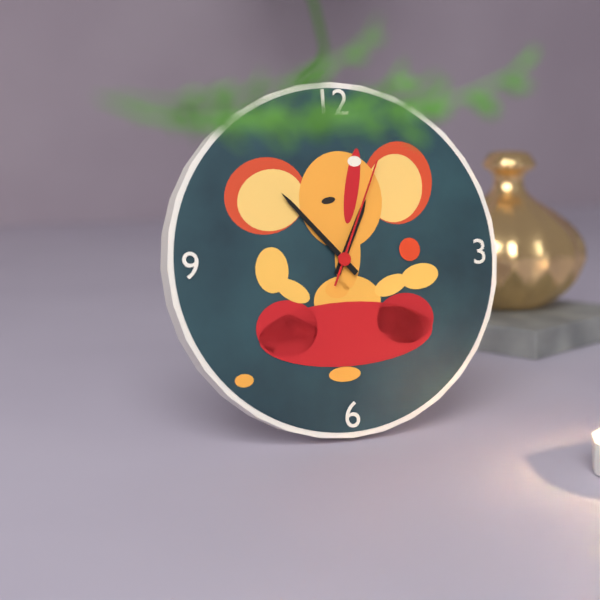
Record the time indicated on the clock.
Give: 12:53:04
